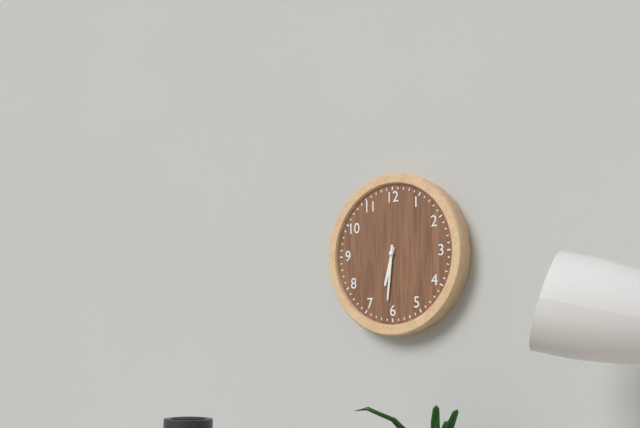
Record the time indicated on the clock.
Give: 6:31
